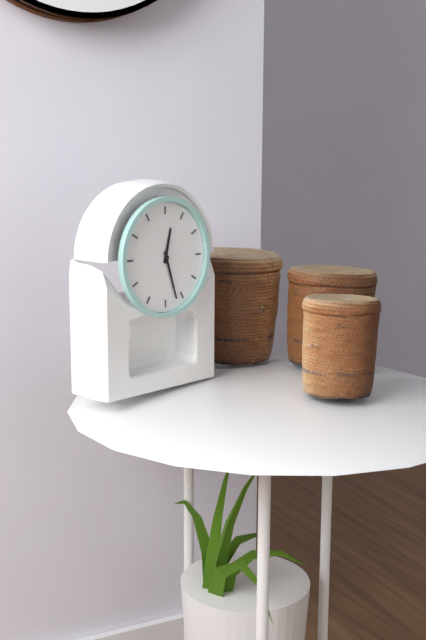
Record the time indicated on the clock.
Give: 12:27
